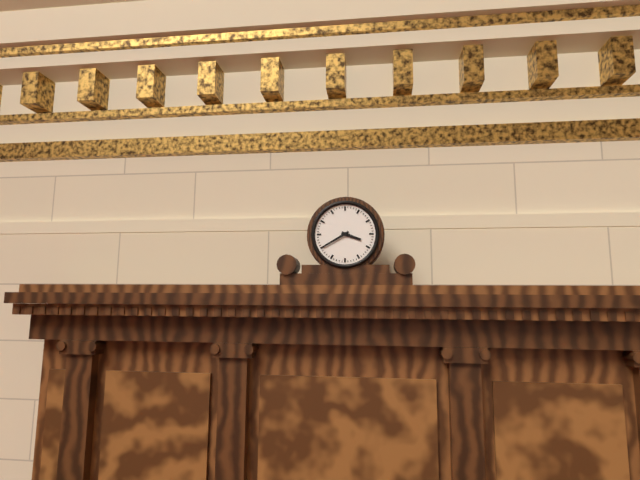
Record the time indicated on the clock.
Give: 3:40
